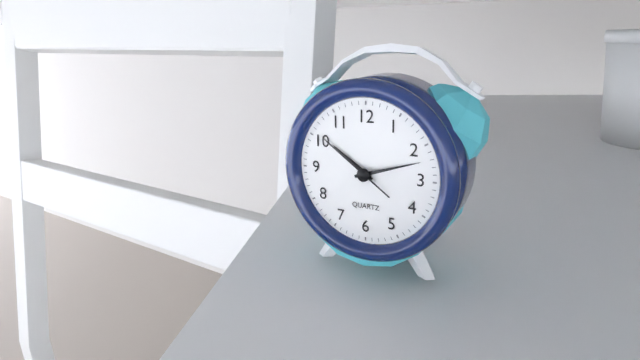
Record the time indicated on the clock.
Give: 10:12:51
